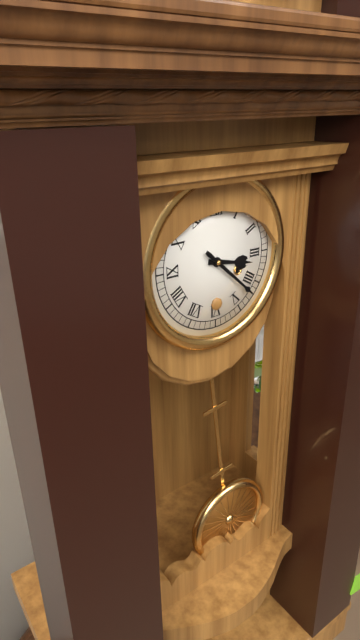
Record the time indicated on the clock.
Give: 3:22
